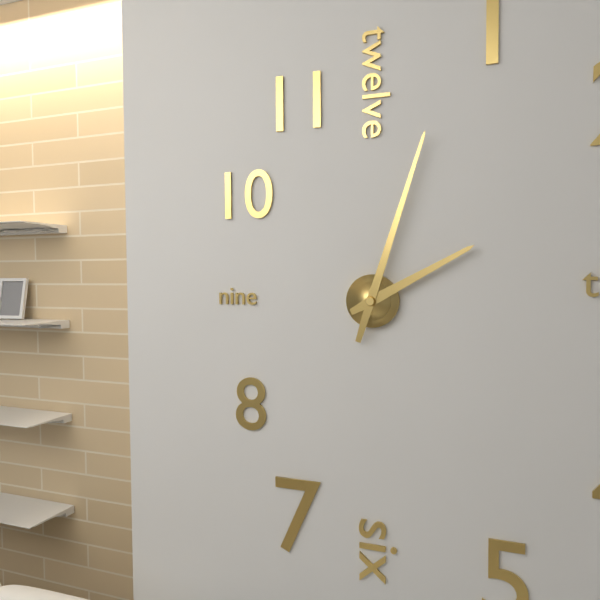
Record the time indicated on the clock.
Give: 2:03
